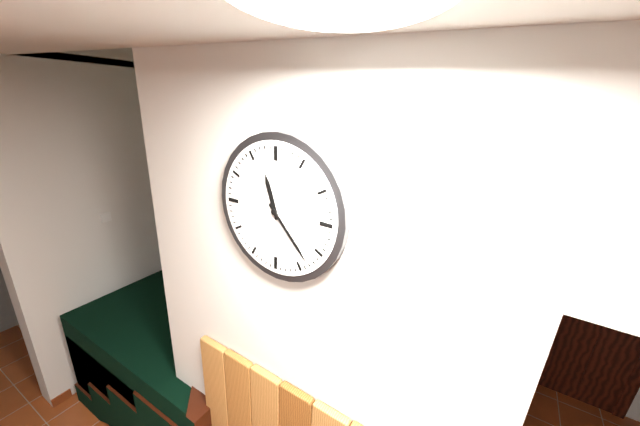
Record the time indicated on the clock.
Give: 11:23
